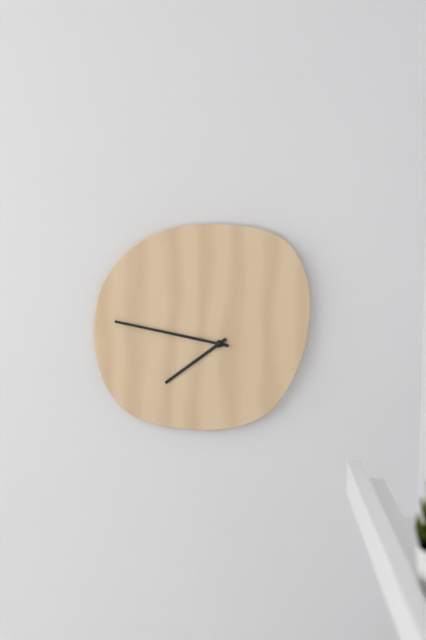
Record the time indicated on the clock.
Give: 7:47
